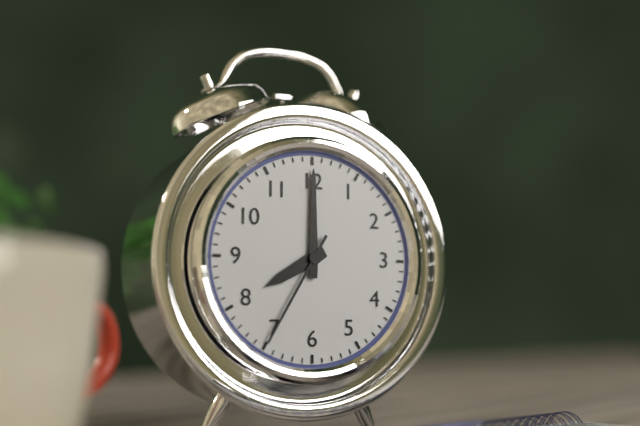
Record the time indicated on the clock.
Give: 8:00:35
